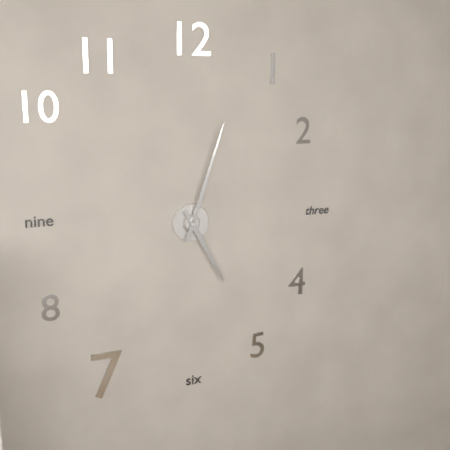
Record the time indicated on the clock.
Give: 5:03
